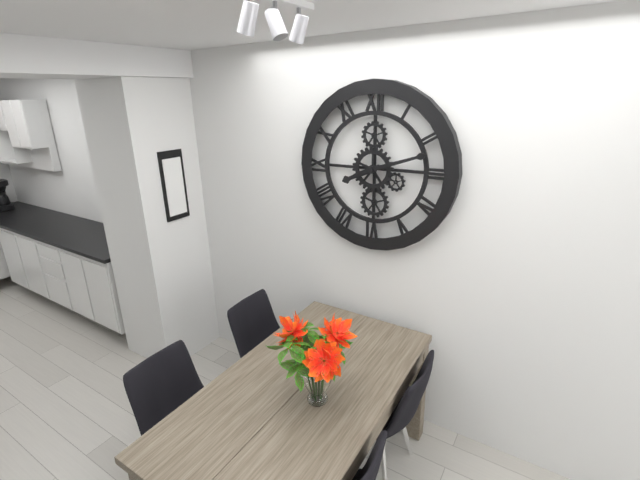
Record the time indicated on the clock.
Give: 8:12
